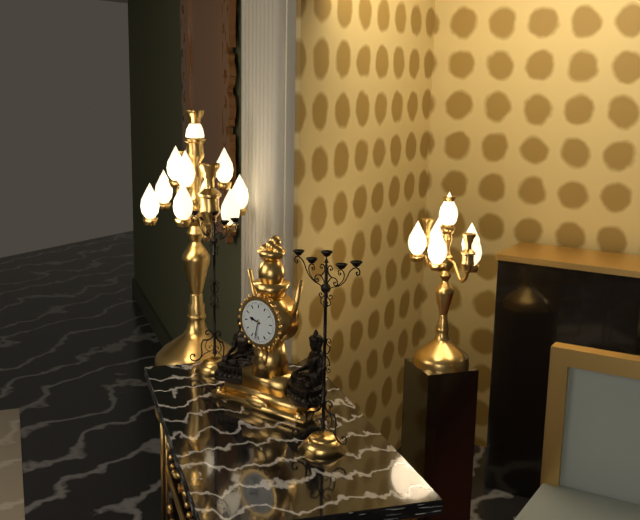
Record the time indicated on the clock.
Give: 9:32
